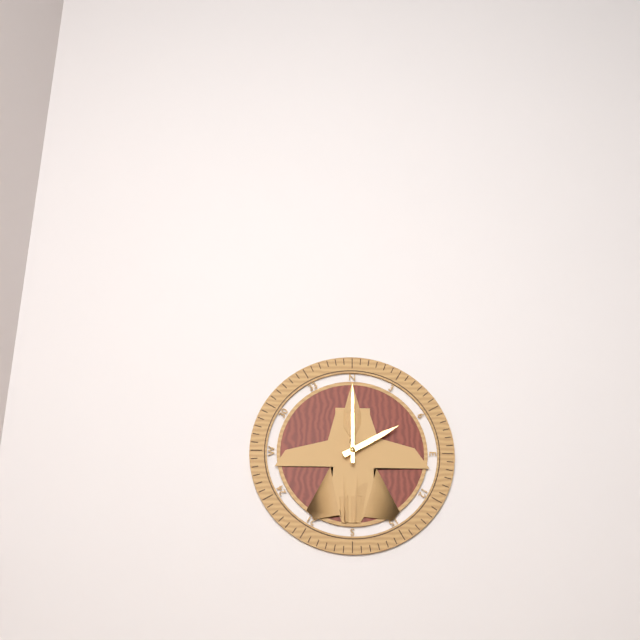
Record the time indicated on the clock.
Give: 2:00
